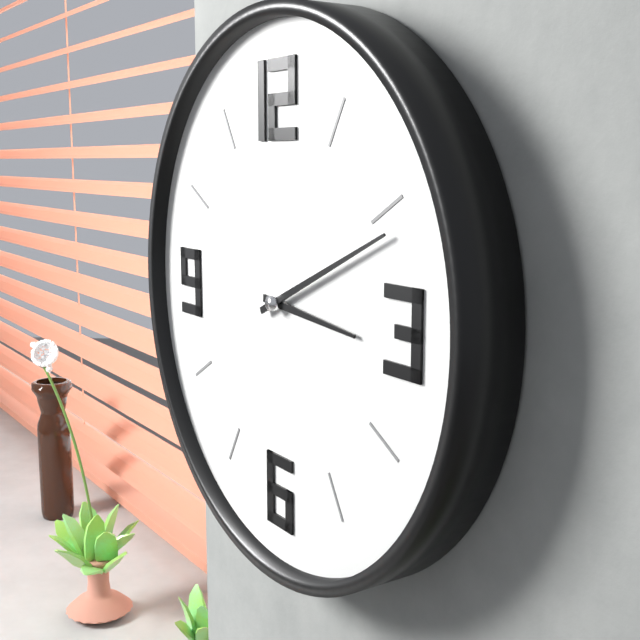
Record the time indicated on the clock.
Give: 3:11
